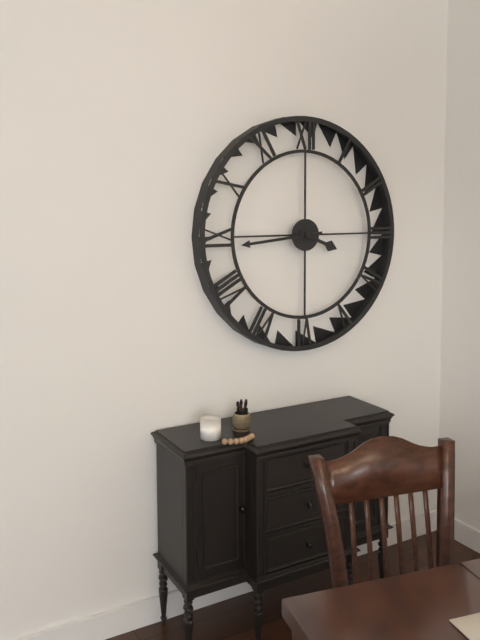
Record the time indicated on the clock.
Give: 3:44
